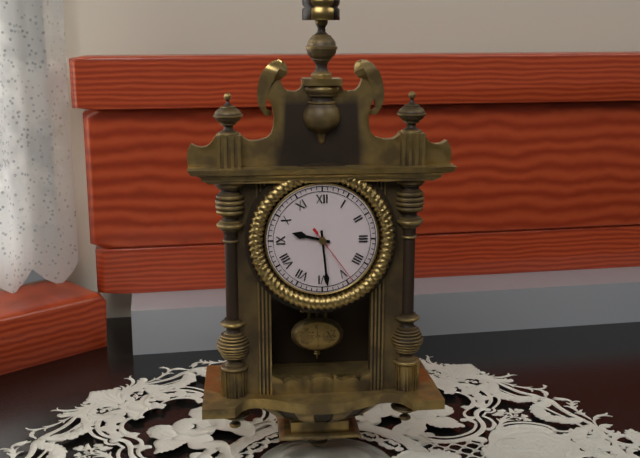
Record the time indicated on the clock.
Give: 9:29:24
